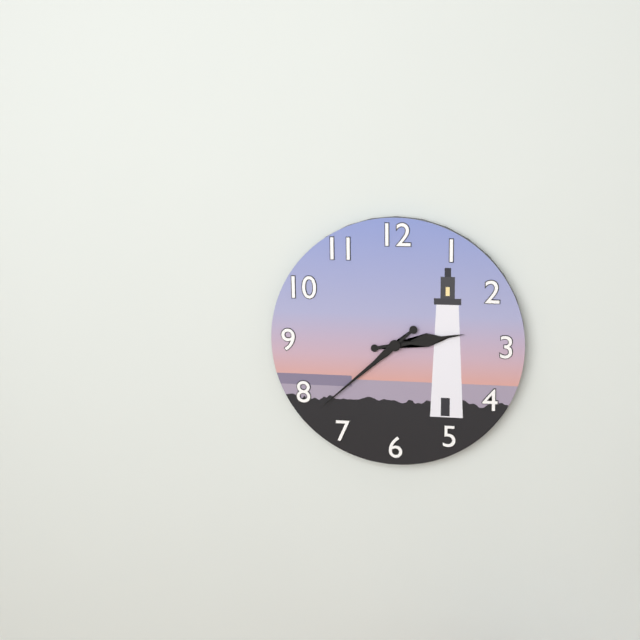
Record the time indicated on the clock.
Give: 2:38
